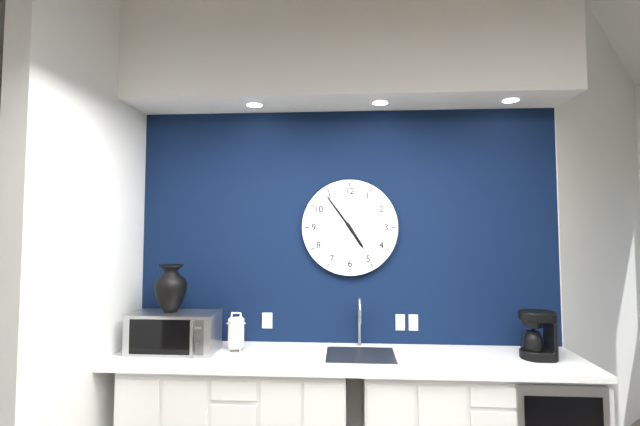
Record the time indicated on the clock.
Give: 4:54
